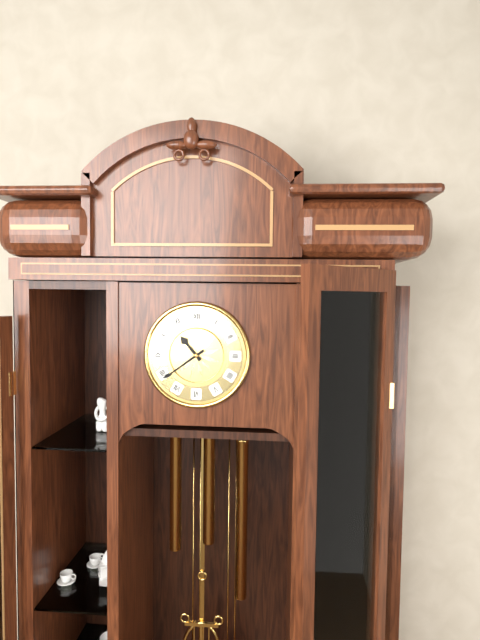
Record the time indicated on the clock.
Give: 10:39
